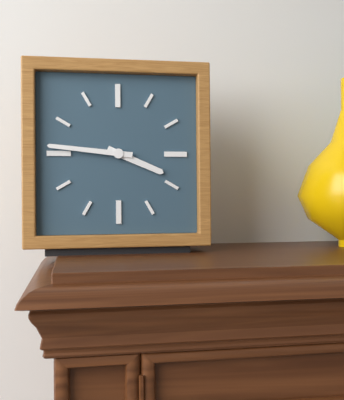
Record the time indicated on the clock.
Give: 3:46
